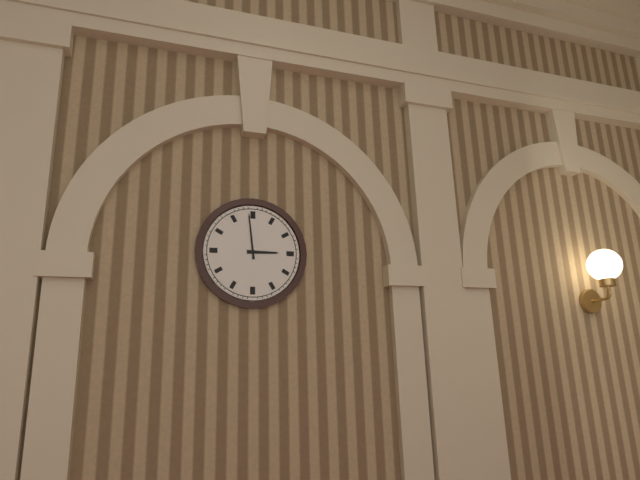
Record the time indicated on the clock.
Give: 2:59
